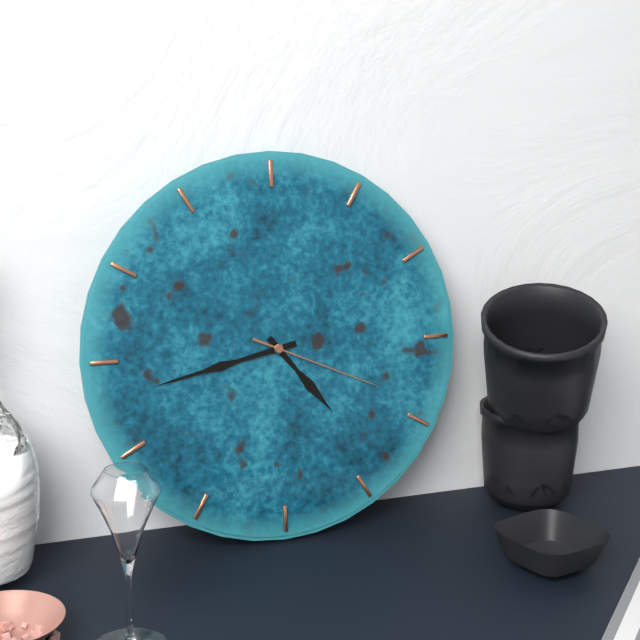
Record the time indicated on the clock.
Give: 4:43:19
